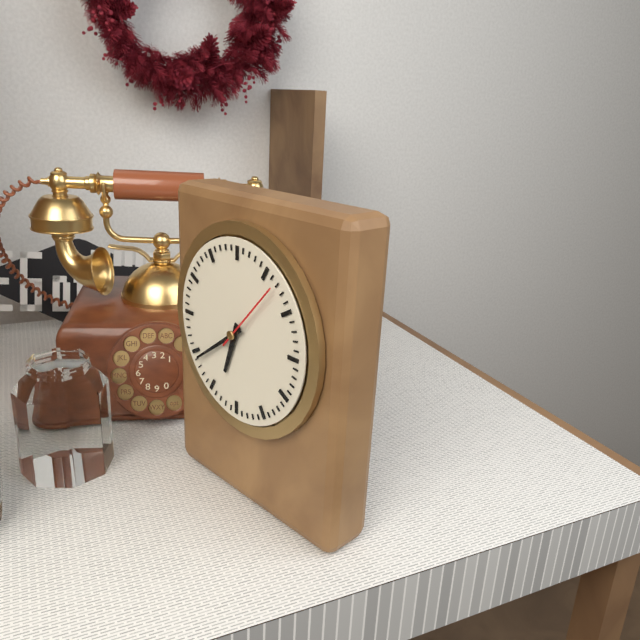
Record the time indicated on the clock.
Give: 6:39:07
